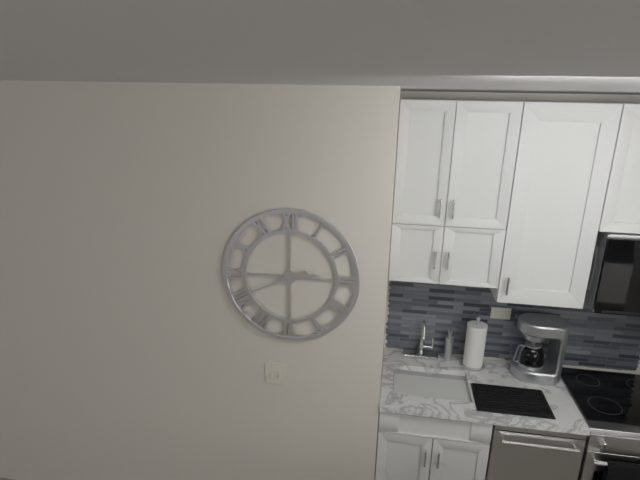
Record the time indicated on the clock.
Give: 2:41
